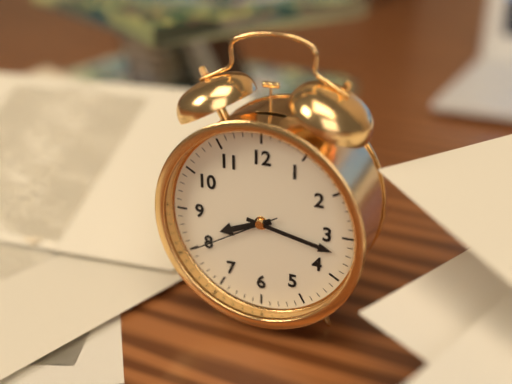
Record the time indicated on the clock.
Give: 8:17:40
